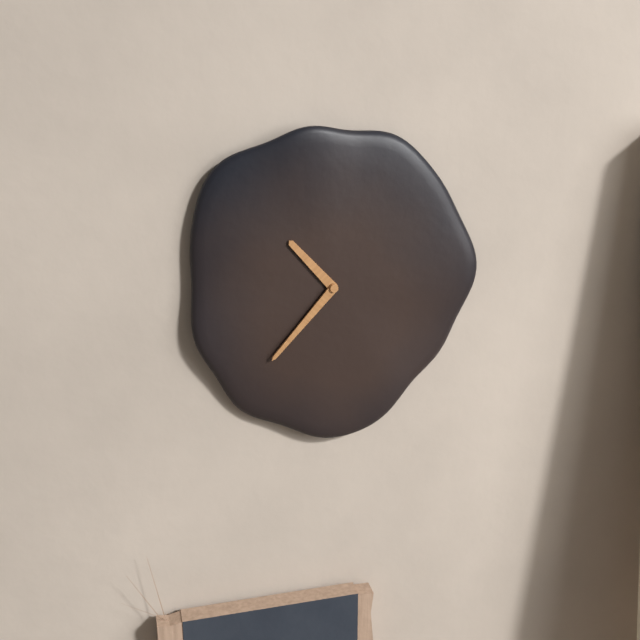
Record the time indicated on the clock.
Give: 10:37
